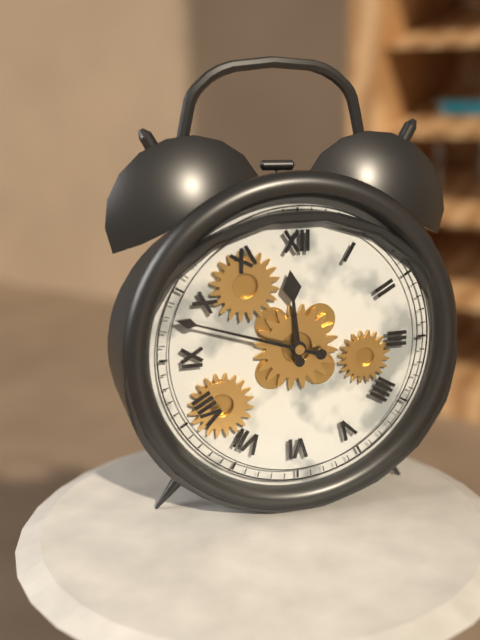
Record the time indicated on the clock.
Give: 11:48
